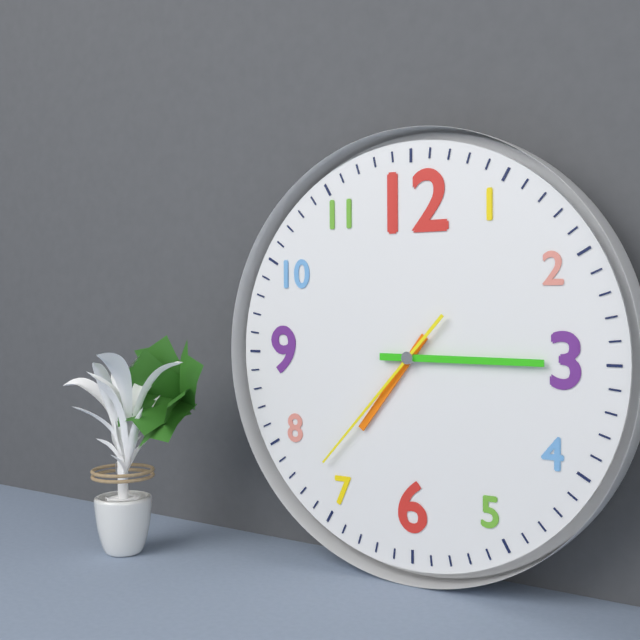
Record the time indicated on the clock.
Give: 7:15:37
